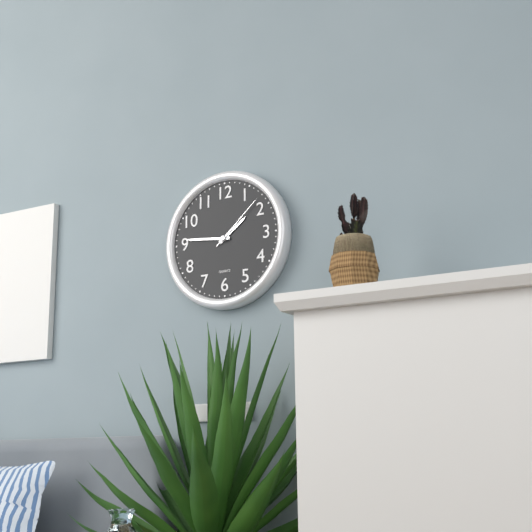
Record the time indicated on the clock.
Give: 1:46:08
